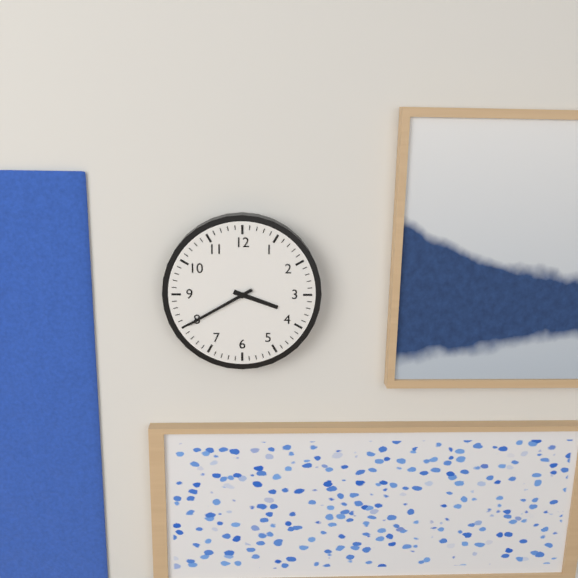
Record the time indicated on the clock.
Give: 3:40
